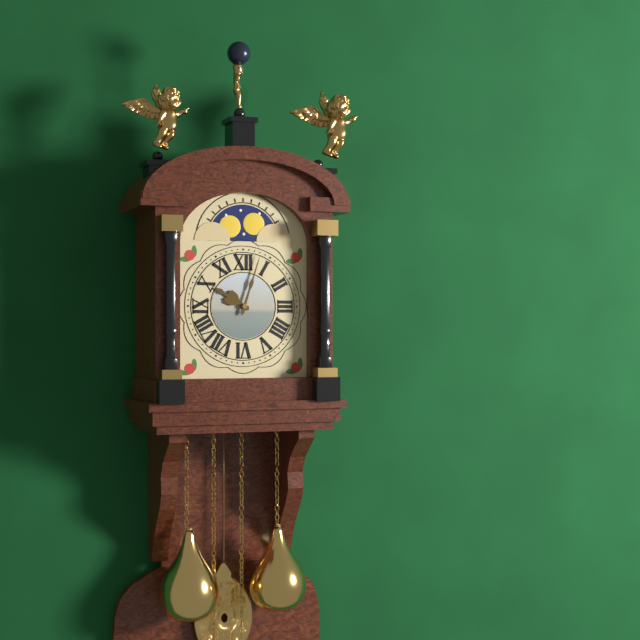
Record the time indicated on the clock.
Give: 10:03
